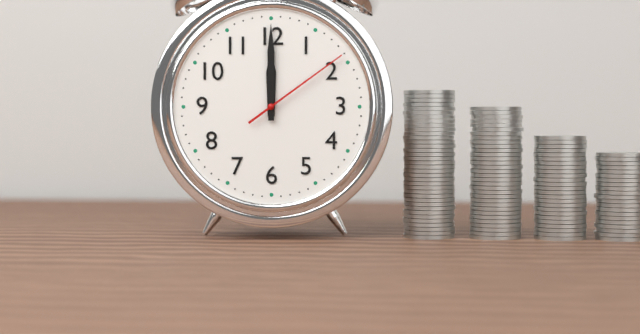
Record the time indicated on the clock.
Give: 12:00:09
